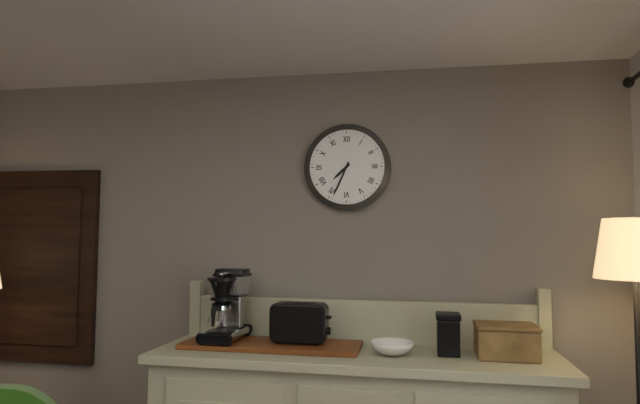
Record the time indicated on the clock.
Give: 7:34
